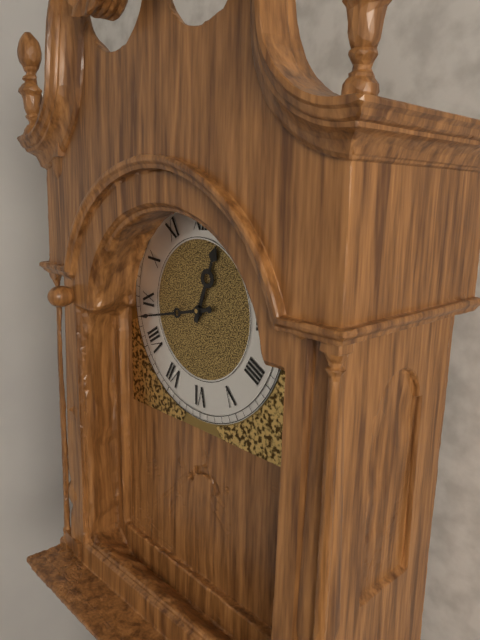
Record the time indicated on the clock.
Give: 12:43
